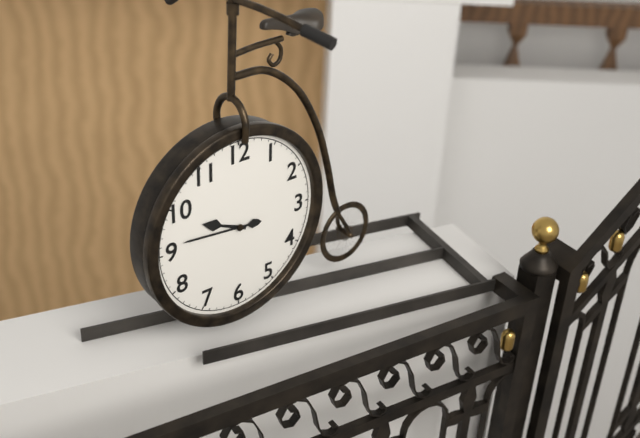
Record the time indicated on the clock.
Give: 9:46
